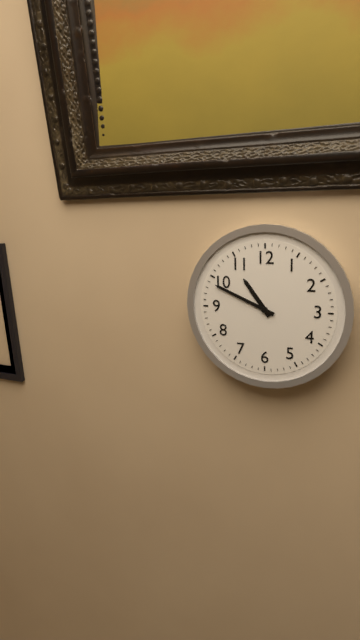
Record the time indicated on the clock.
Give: 10:49
